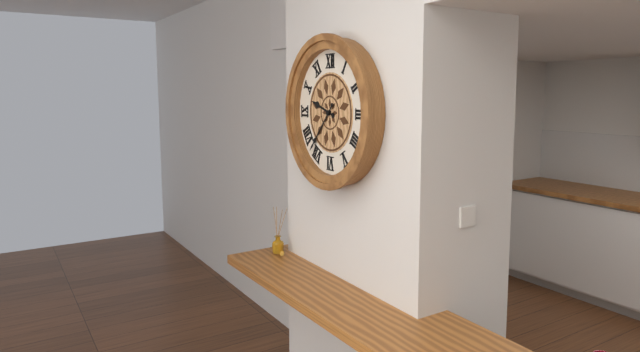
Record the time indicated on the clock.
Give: 9:37
